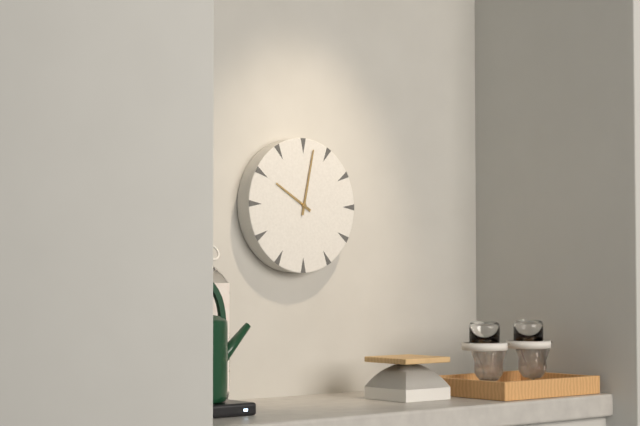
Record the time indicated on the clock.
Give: 10:02
